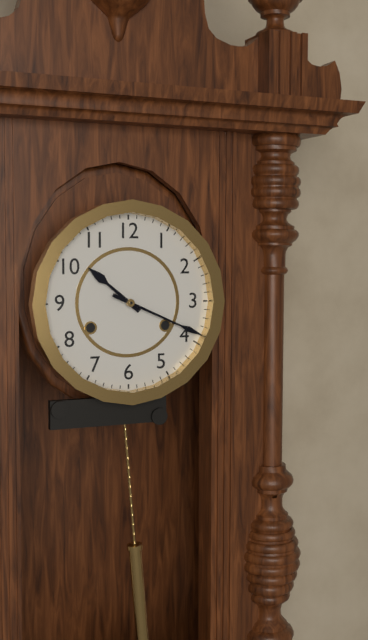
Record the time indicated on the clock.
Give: 10:19
